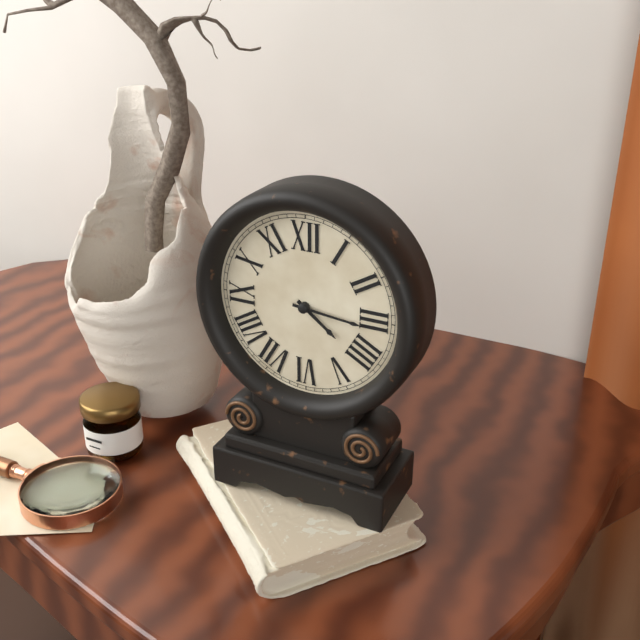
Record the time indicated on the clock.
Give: 4:16
